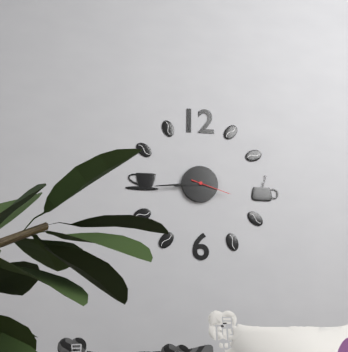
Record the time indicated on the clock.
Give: 8:44
